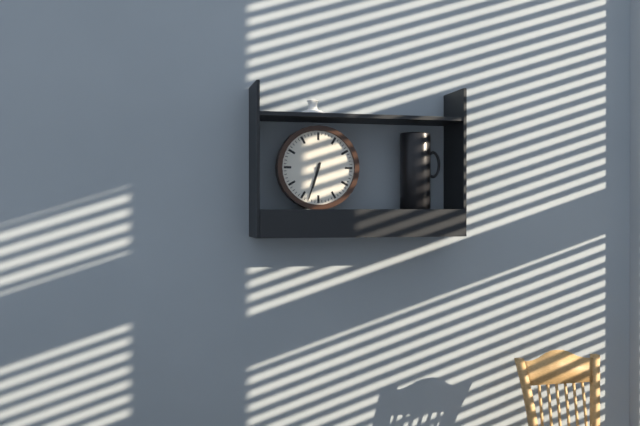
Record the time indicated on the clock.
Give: 6:33
